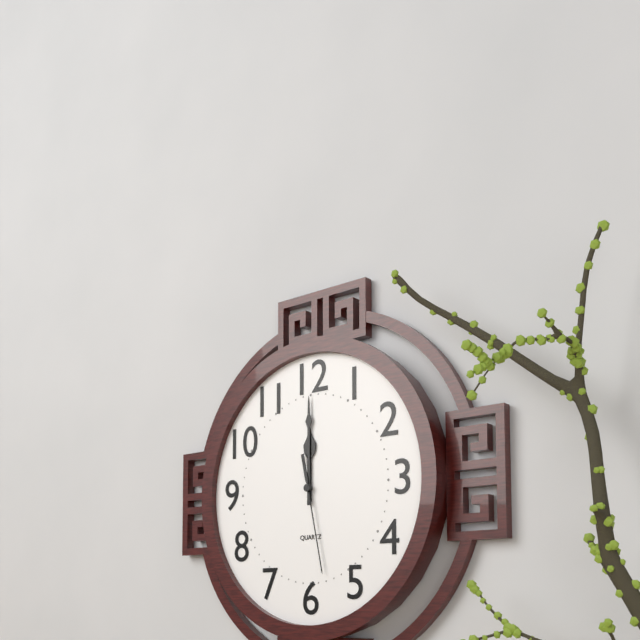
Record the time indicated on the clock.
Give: 12:00:28
